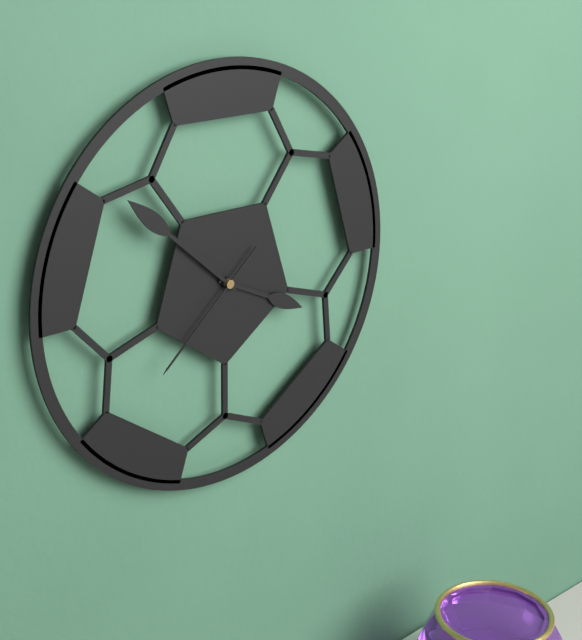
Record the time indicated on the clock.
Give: 3:52:38
